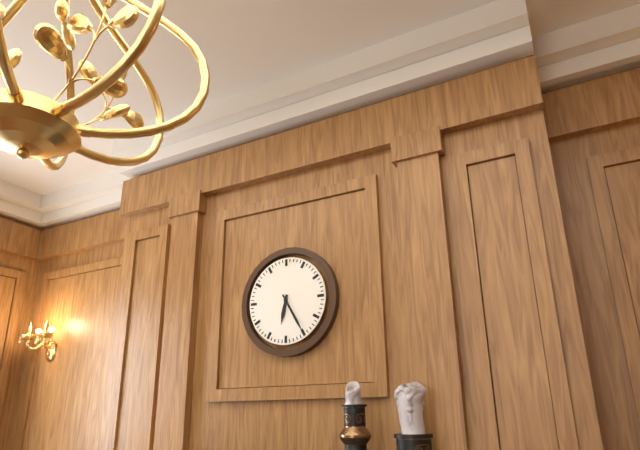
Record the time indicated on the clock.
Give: 6:25
